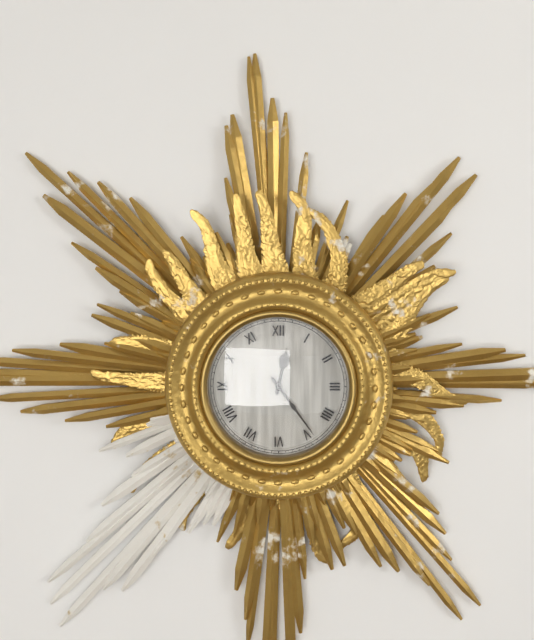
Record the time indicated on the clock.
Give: 12:24
